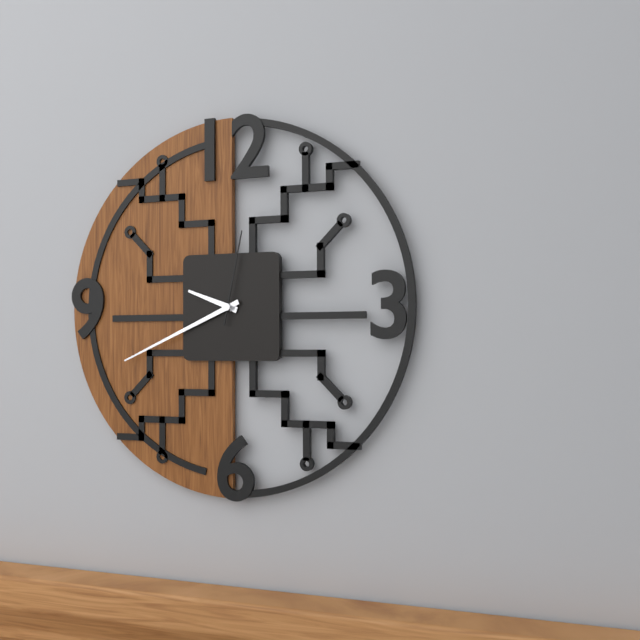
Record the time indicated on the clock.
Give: 9:41:02
